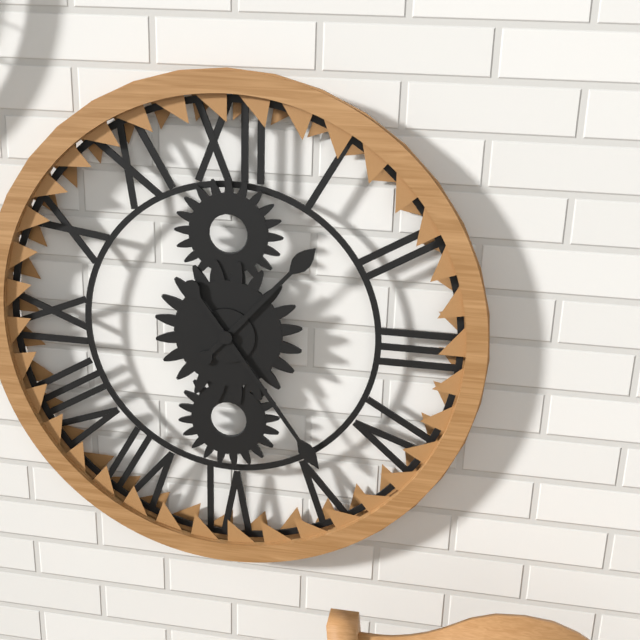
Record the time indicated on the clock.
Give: 1:24
